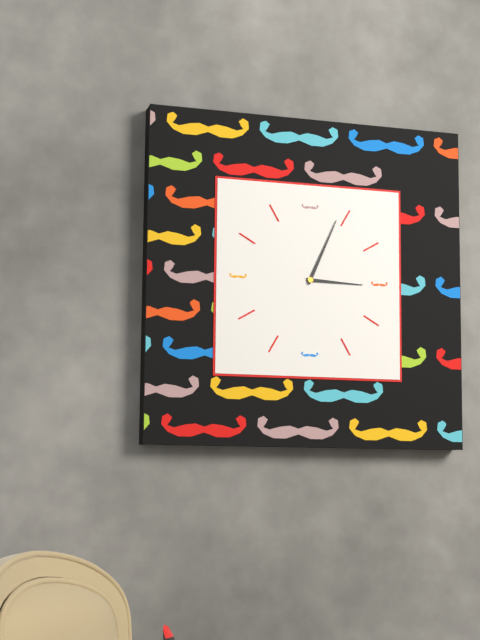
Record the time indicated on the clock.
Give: 3:04
